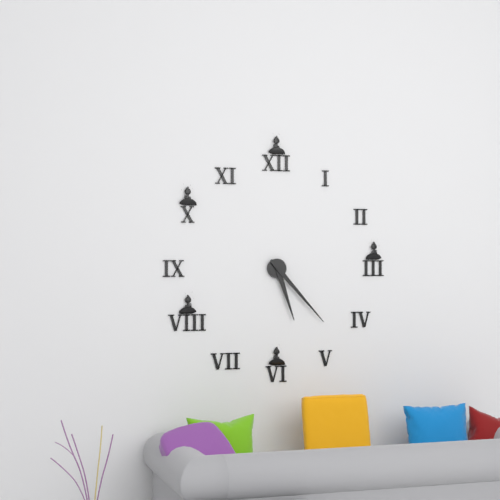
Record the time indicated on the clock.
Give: 5:23
